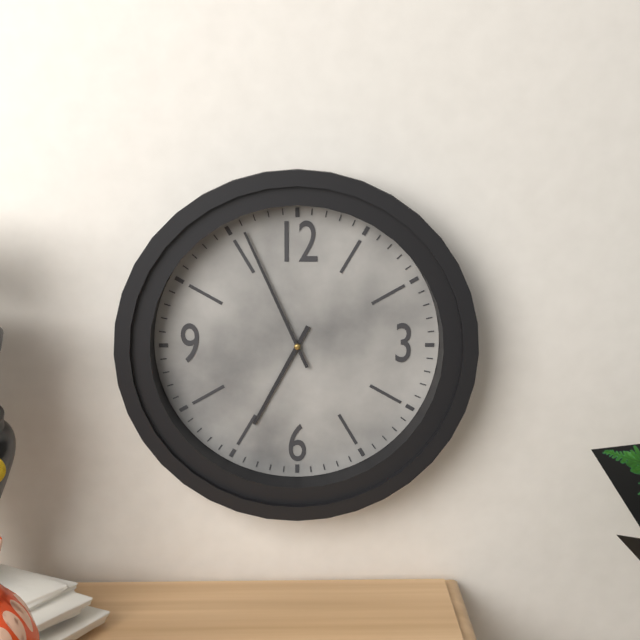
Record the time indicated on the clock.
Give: 6:56
